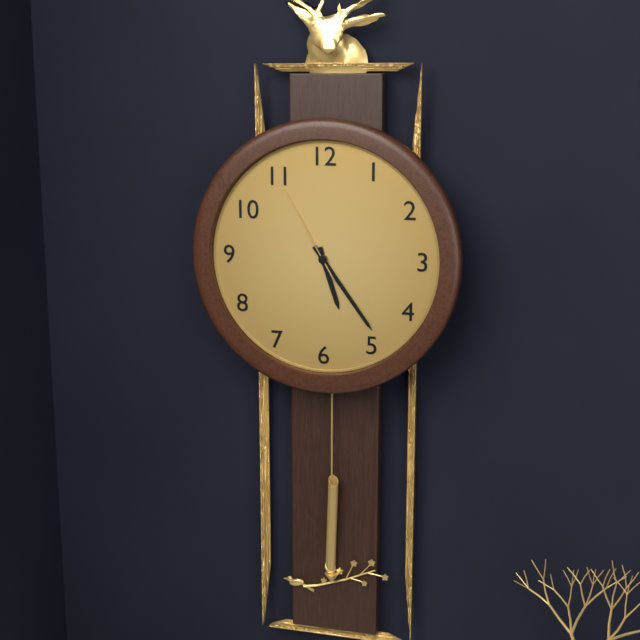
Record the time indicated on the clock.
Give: 5:24:55
